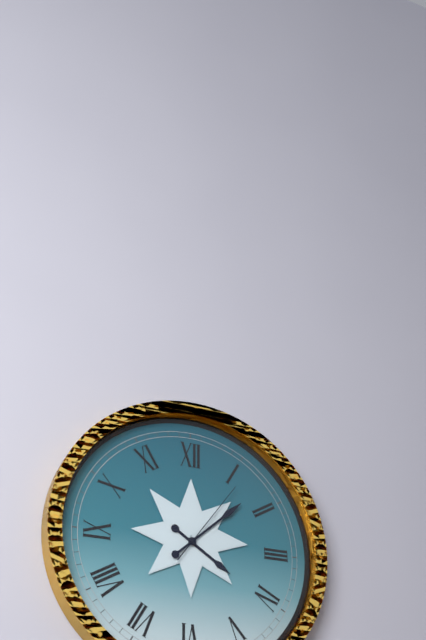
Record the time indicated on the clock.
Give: 4:08:06
